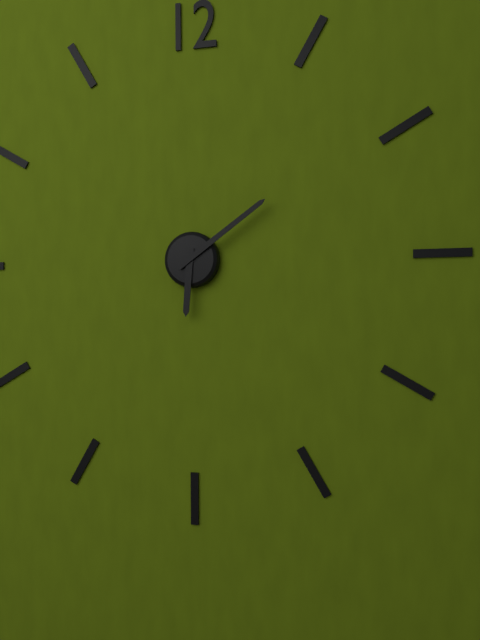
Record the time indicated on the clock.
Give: 6:09
